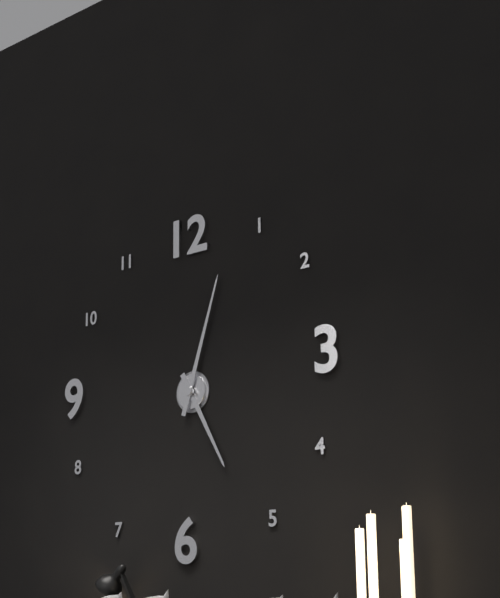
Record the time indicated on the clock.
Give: 5:03
